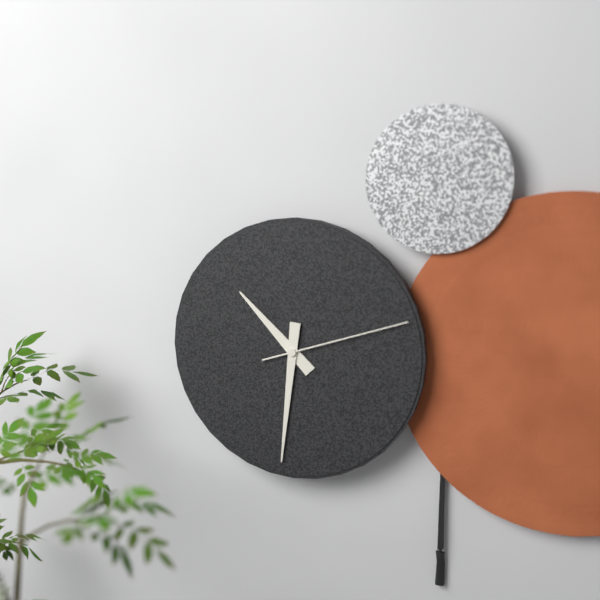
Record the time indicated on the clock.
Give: 10:31:12
